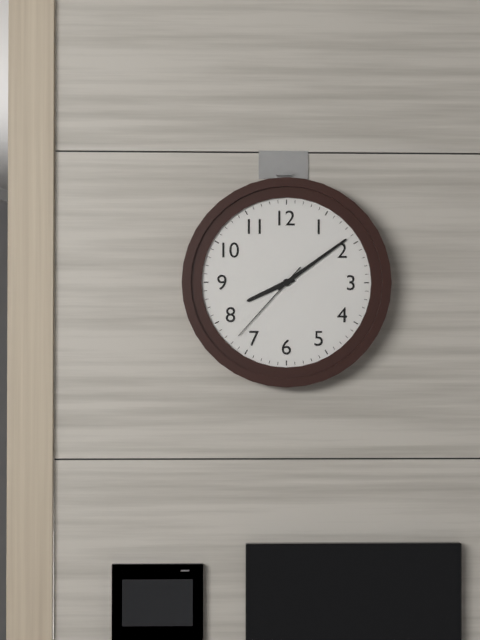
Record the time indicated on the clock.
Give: 8:09:37
